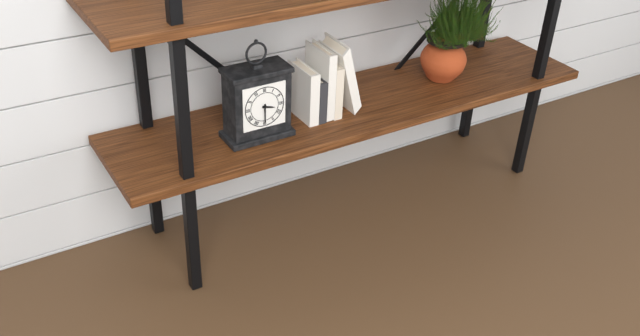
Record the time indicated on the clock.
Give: 3:30
